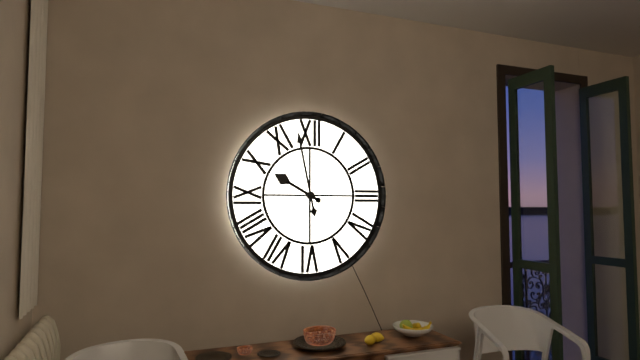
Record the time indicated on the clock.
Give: 9:58
